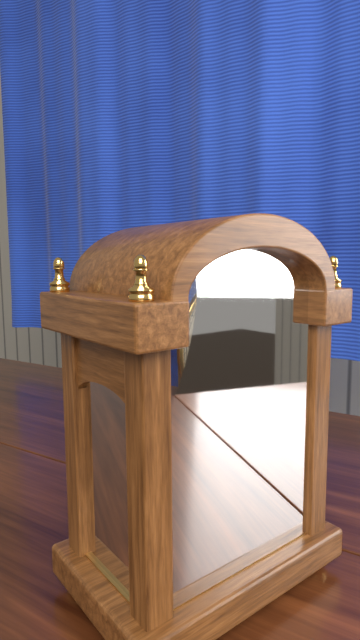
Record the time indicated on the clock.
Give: 8:13
